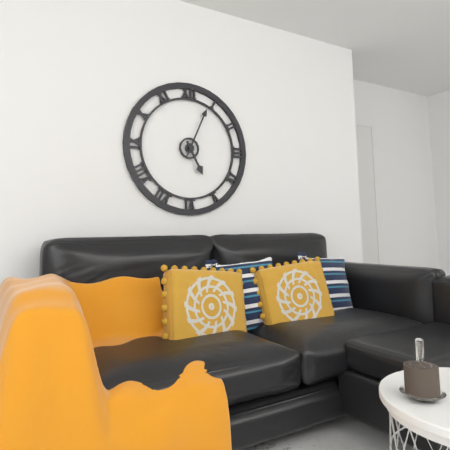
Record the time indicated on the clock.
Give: 5:04
